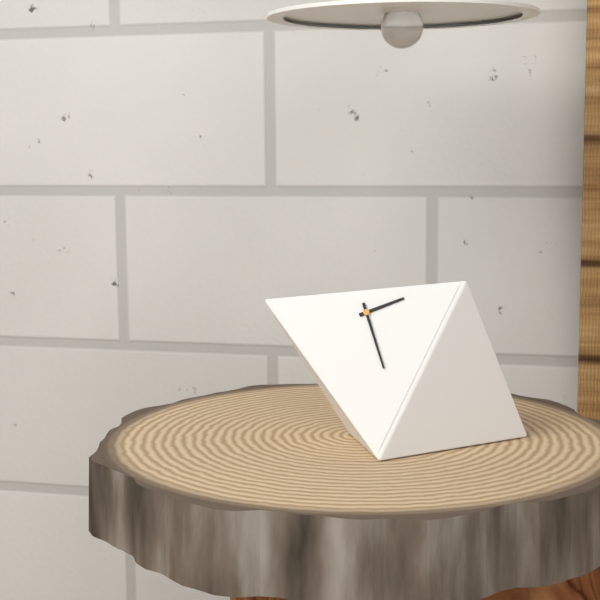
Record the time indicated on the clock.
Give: 2:28
